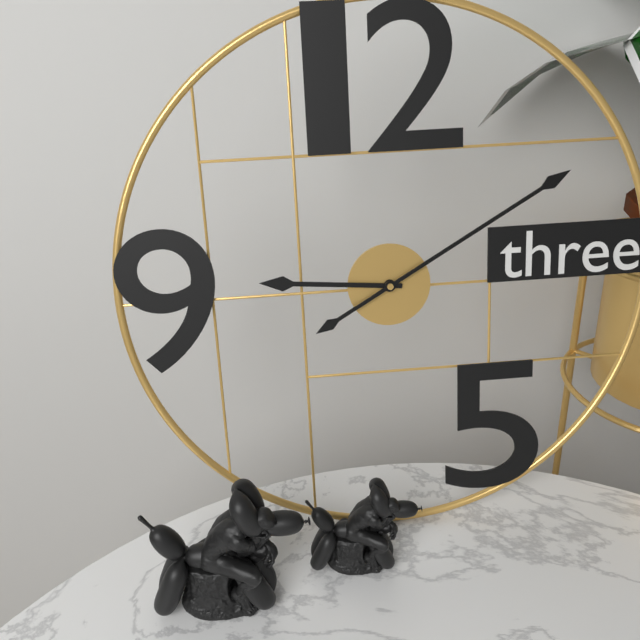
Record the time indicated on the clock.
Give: 9:10
